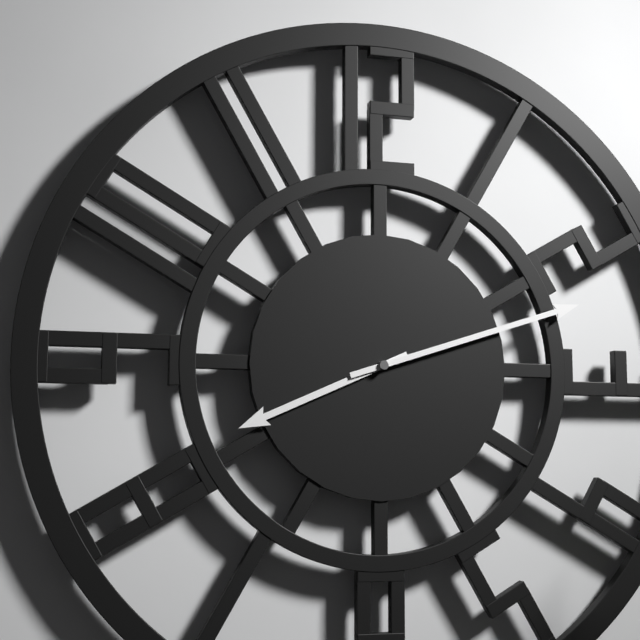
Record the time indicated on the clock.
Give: 8:12
